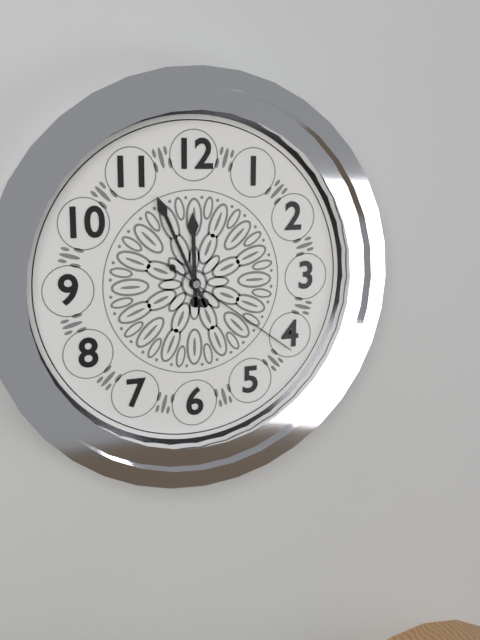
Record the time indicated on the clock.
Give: 11:56:21
